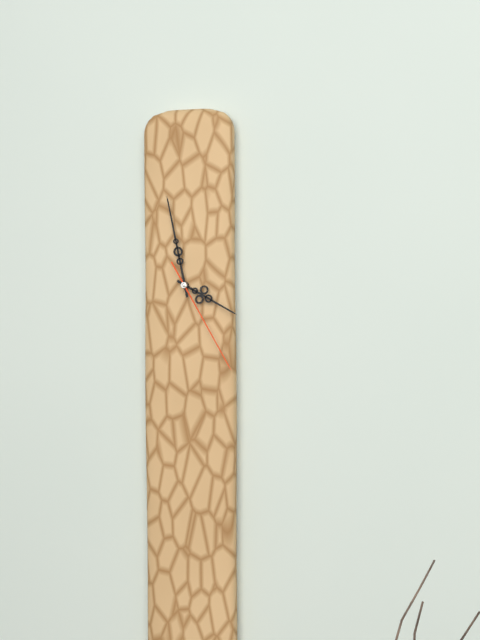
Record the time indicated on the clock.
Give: 3:58:25
